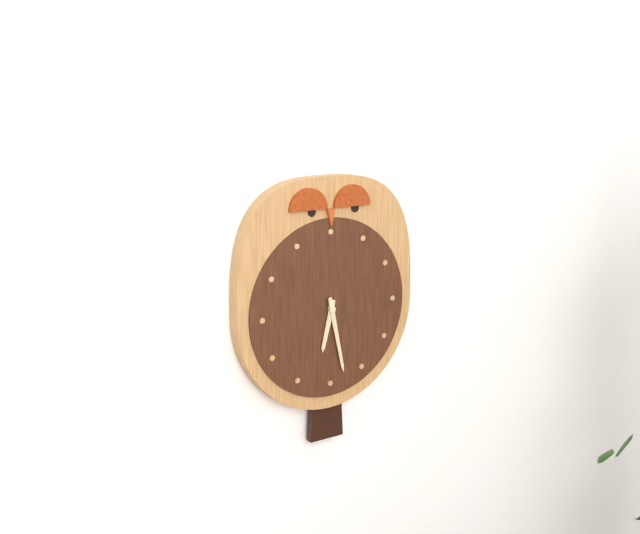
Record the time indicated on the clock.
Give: 6:28
